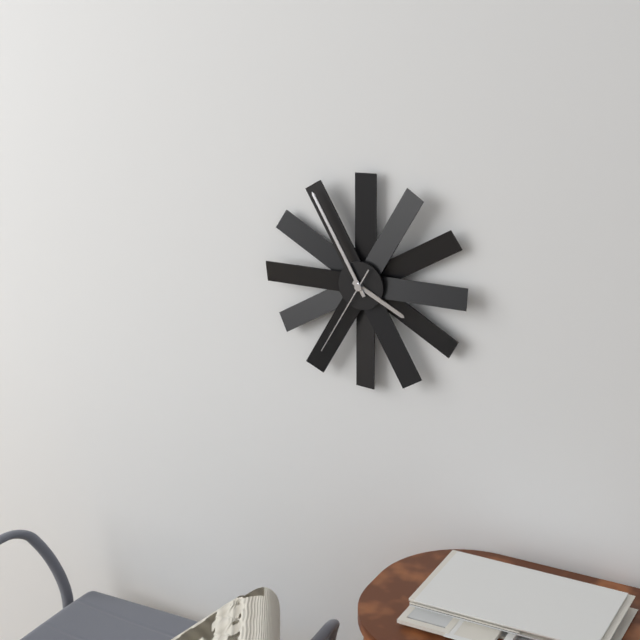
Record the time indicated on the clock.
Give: 3:55:35
